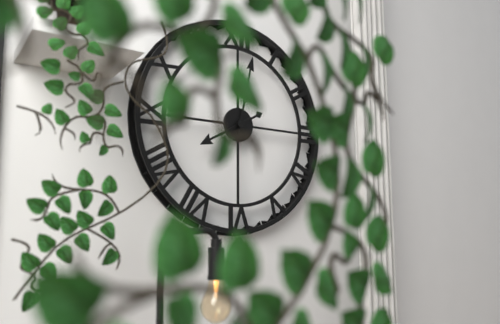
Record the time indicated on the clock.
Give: 8:02
